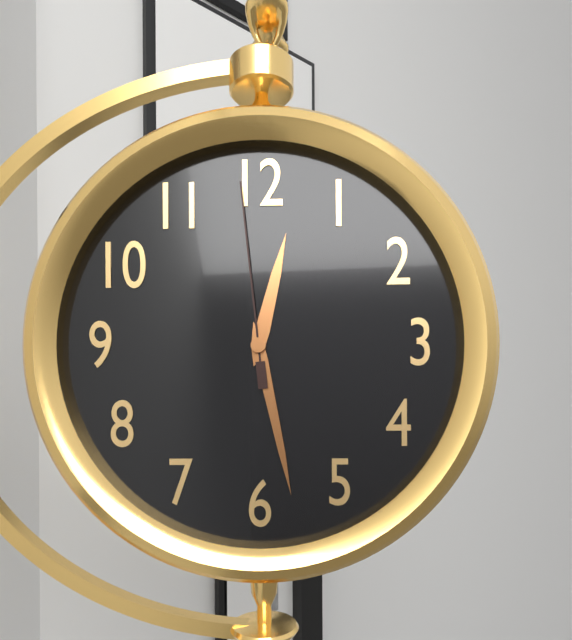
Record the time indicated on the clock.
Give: 12:28:59
